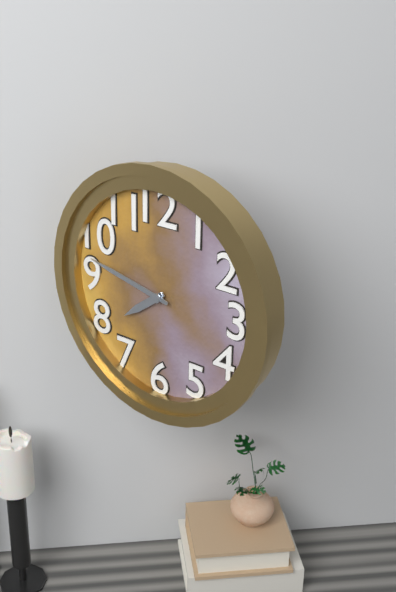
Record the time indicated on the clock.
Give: 7:47
